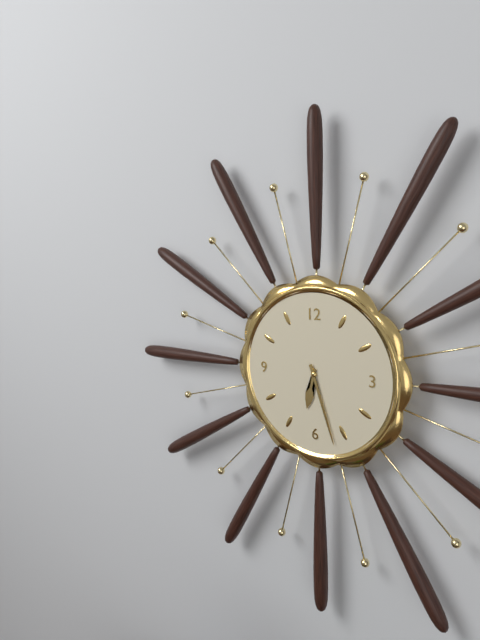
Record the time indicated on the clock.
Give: 6:27
